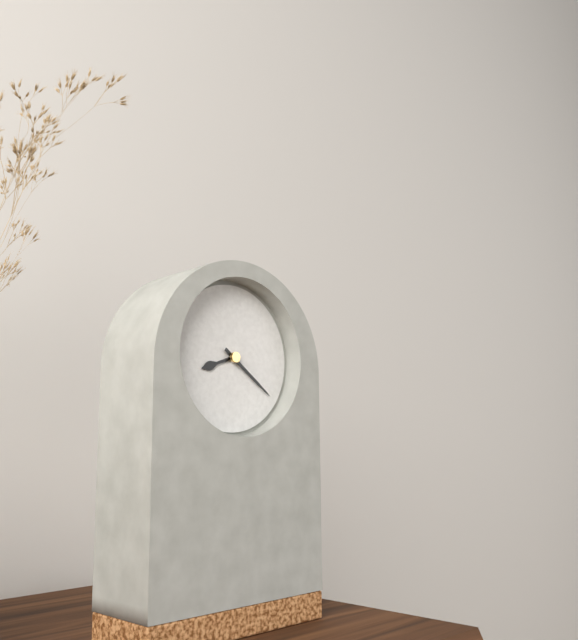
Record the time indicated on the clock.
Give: 8:21
